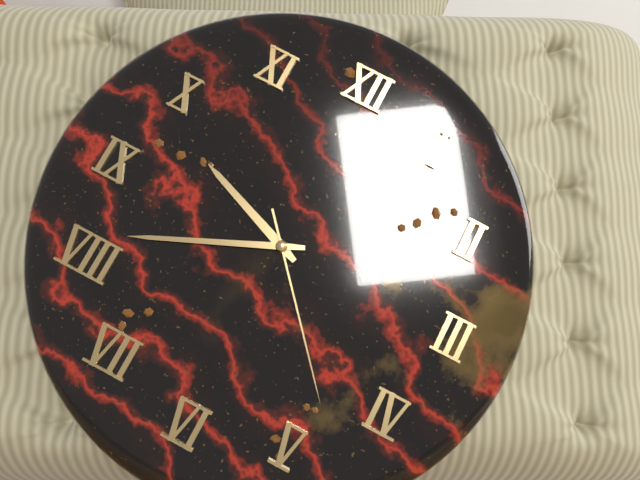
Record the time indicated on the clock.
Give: 9:41:23
